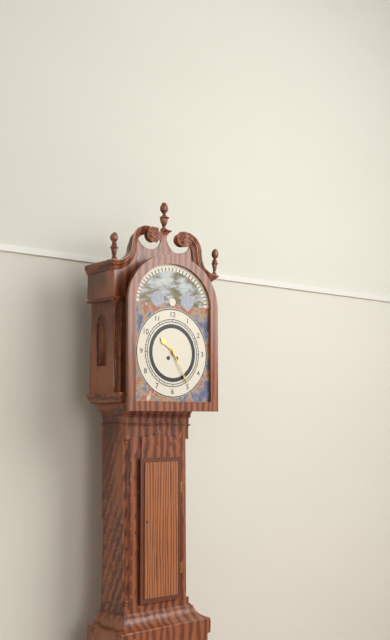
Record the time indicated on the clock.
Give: 10:25
